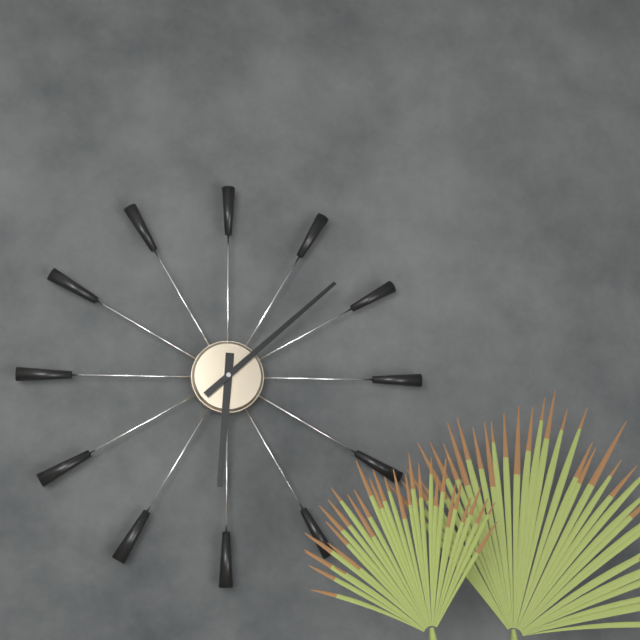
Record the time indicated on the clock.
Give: 6:08
